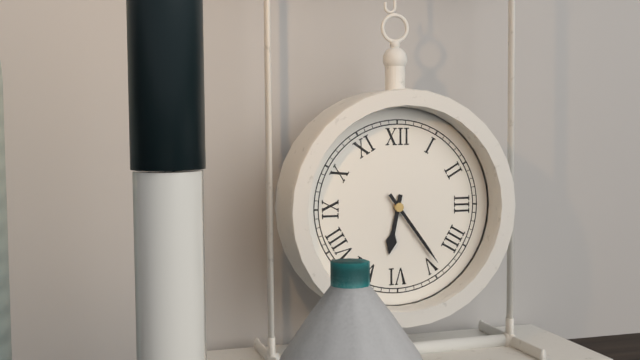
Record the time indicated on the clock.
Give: 6:24
